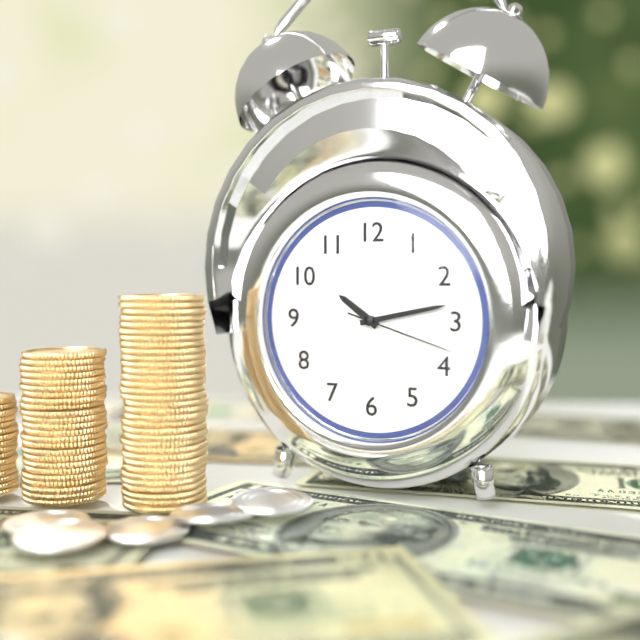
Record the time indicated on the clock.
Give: 10:13:18
